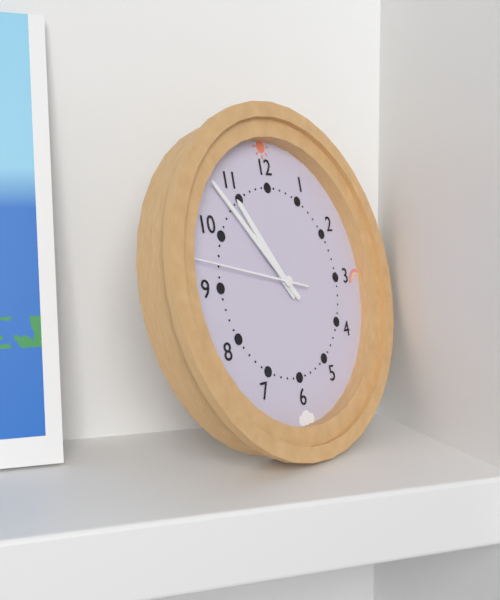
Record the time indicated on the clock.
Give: 10:53:47
